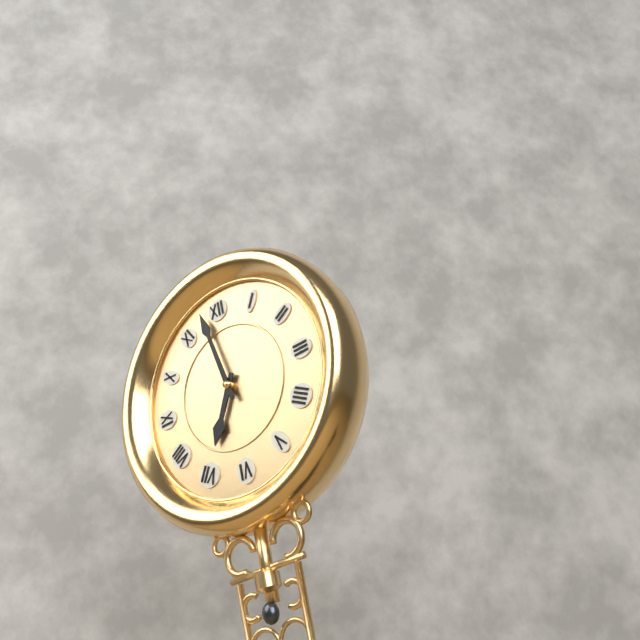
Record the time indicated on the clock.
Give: 6:58
